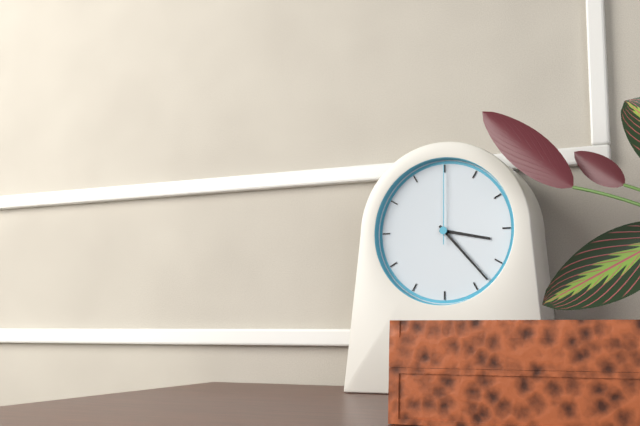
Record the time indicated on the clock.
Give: 3:23:00
